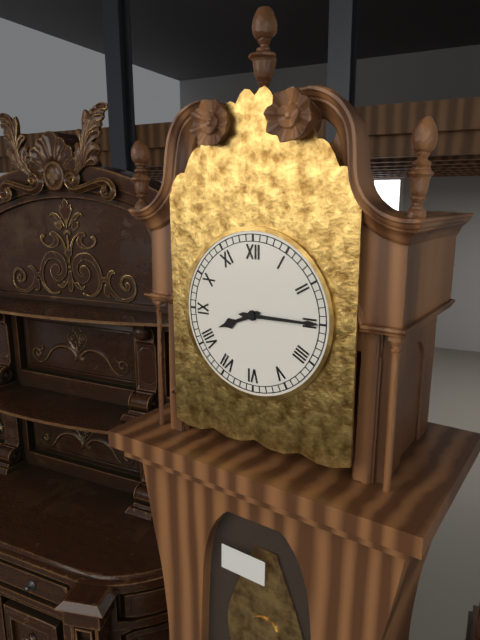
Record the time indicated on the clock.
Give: 8:15
